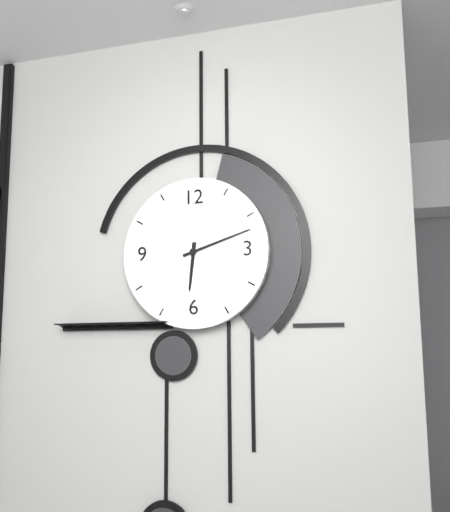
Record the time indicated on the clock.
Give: 6:12
